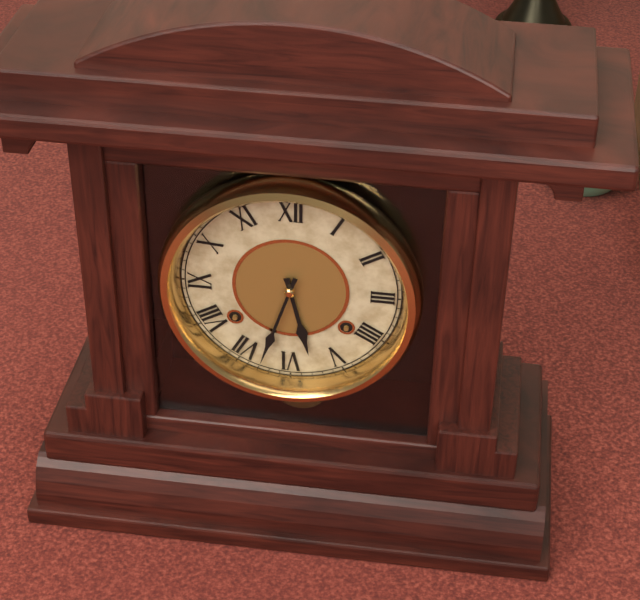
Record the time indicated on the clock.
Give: 5:33
